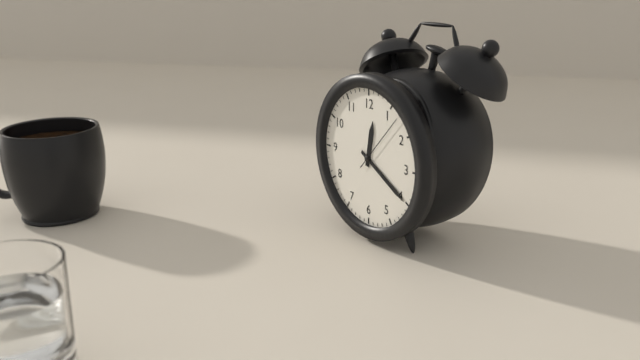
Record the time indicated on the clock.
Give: 12:20:07
